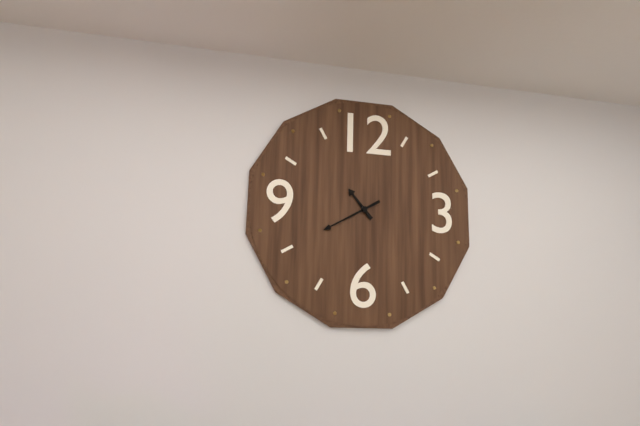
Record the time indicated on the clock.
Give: 10:40
